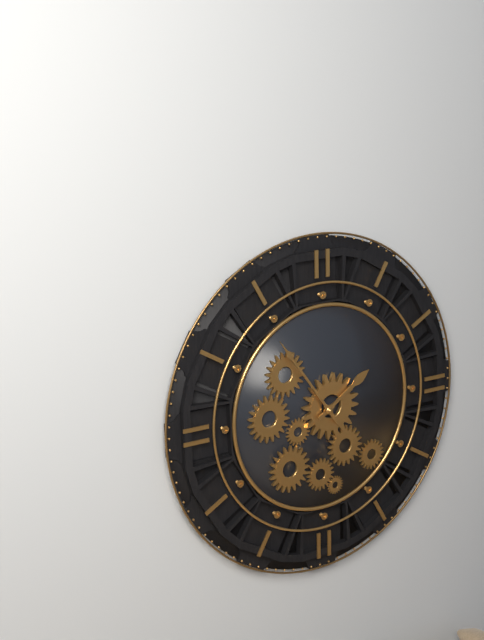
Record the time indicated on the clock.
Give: 1:54
